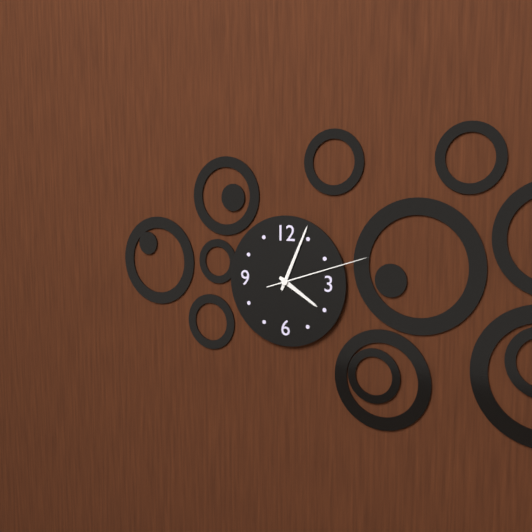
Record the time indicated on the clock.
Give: 4:04:12
